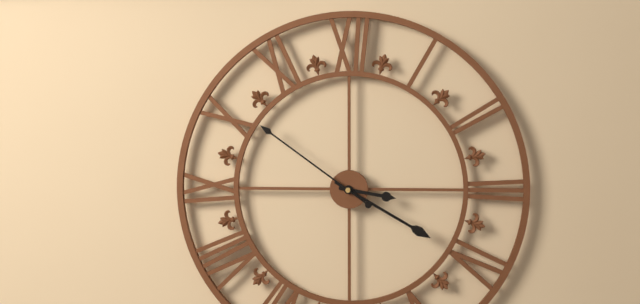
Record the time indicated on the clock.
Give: 3:20:51
